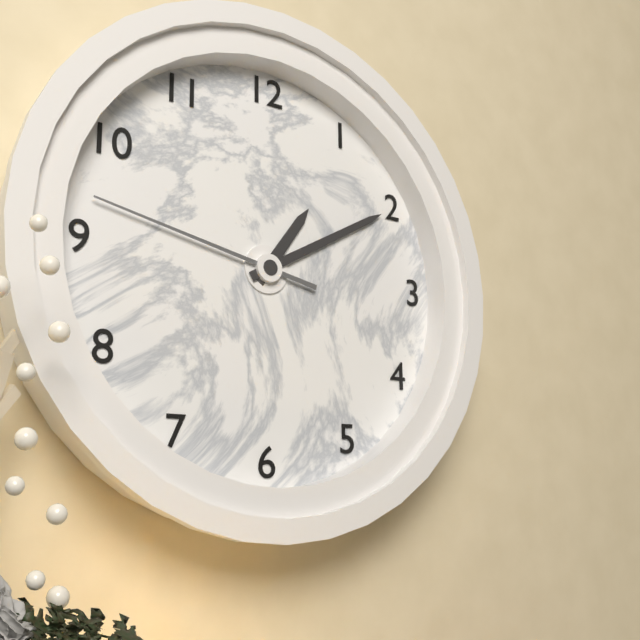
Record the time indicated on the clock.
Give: 1:10:47
